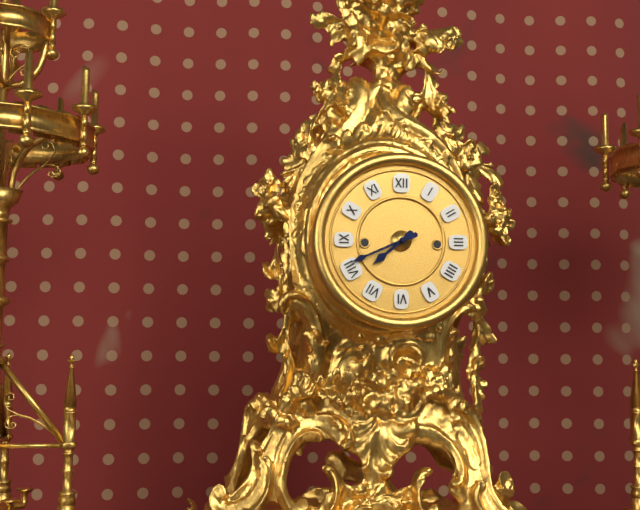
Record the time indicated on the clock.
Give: 7:41
